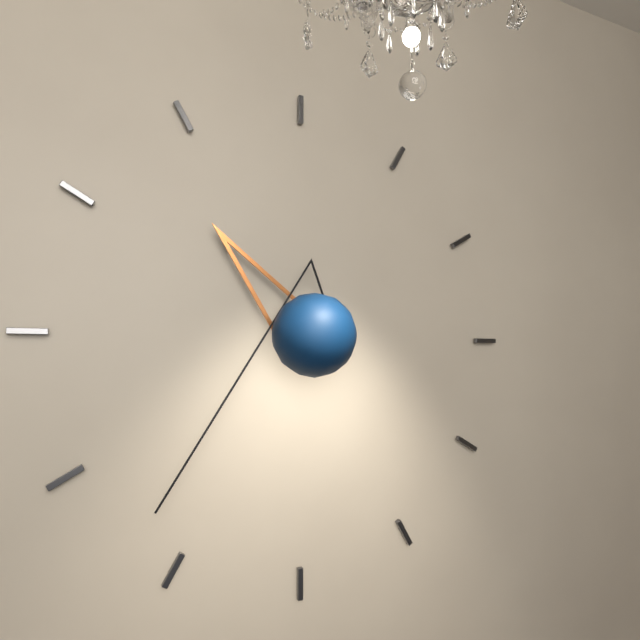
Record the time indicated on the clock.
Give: 10:37
